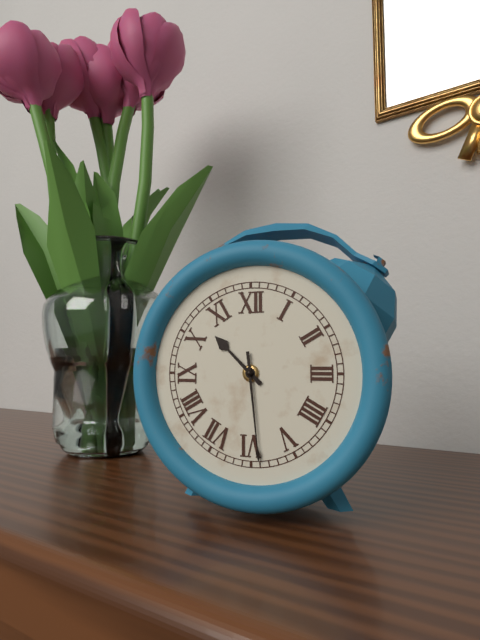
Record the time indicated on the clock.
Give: 10:29
